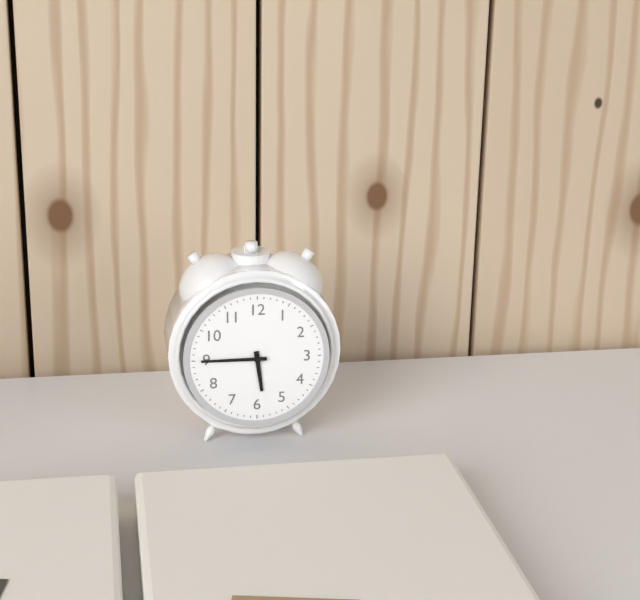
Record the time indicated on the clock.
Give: 5:45
